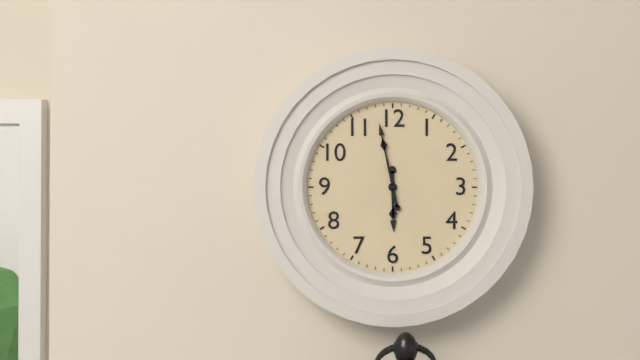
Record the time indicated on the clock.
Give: 5:58
